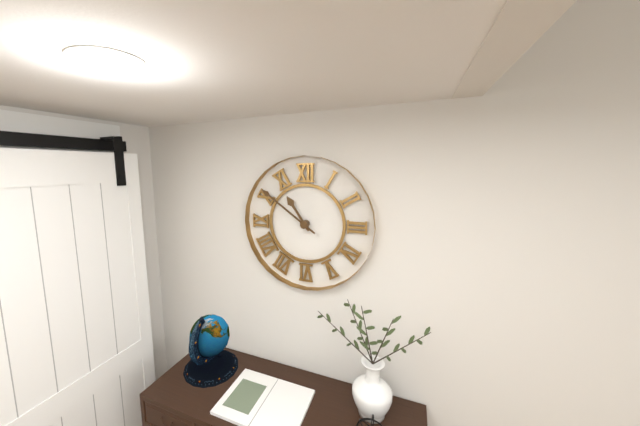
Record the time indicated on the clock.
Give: 10:51
